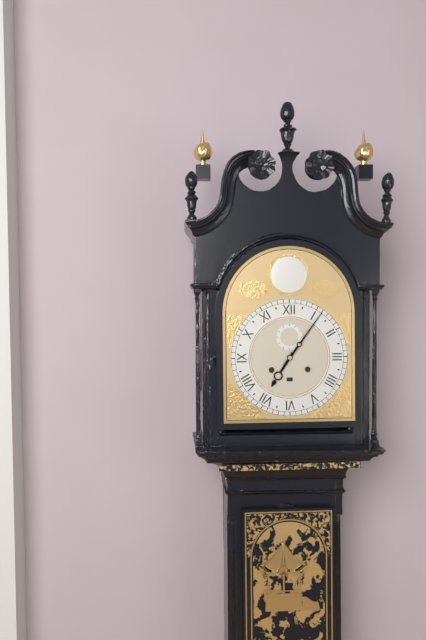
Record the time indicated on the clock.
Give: 7:06
